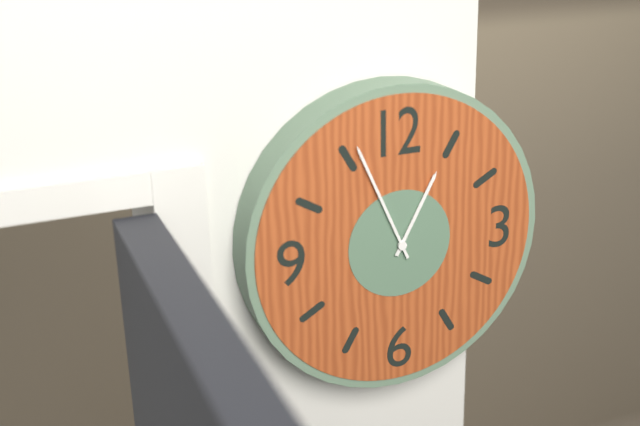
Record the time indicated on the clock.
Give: 12:56
